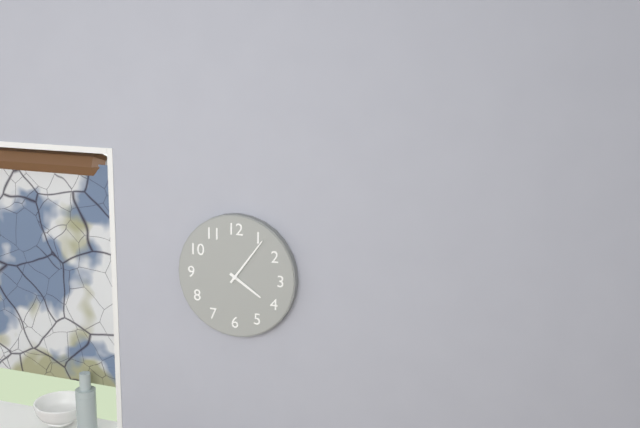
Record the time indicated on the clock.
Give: 4:06
